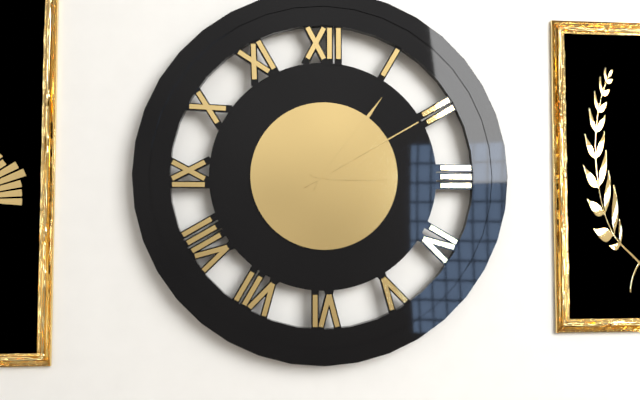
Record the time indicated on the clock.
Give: 3:06:10
